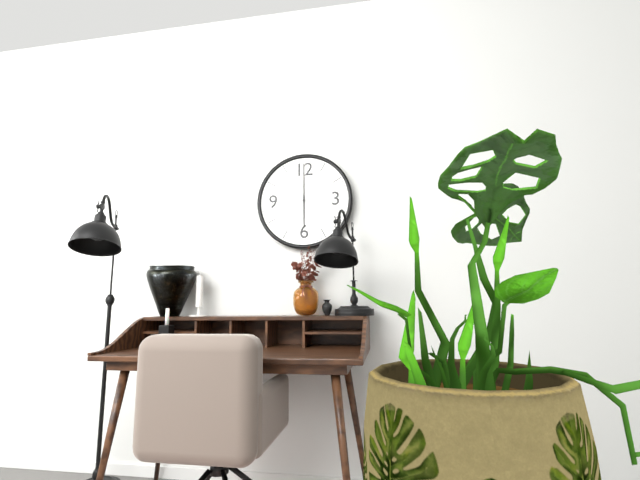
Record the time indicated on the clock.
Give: 6:00
